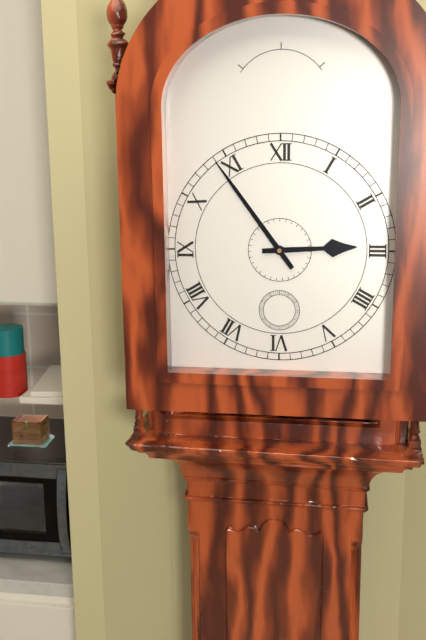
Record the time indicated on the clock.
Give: 2:54
